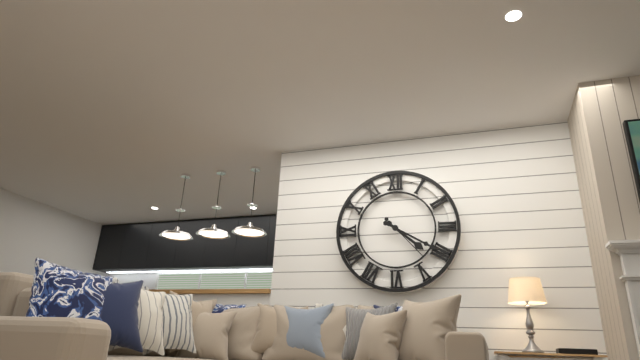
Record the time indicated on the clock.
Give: 4:20
